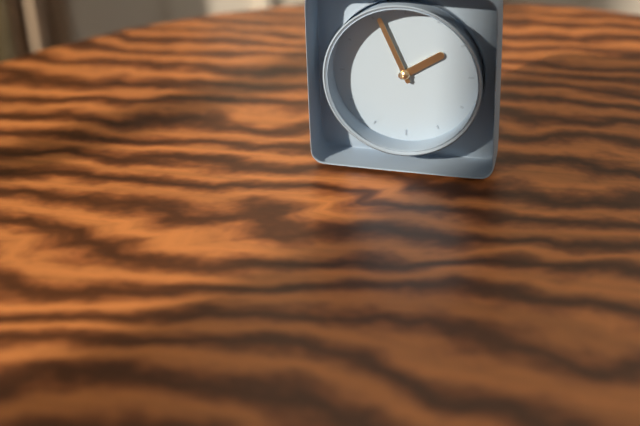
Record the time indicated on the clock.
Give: 1:56
